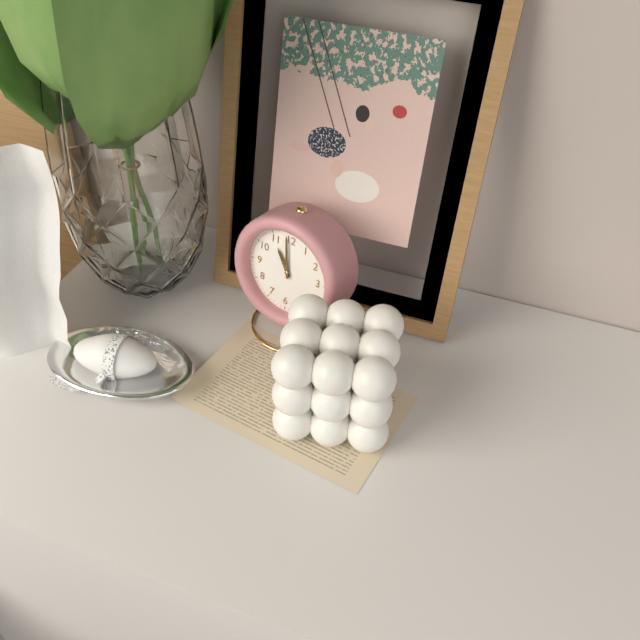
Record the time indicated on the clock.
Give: 10:59
